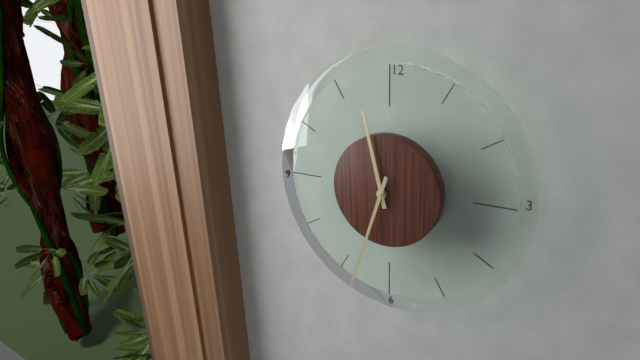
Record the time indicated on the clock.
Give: 11:33
